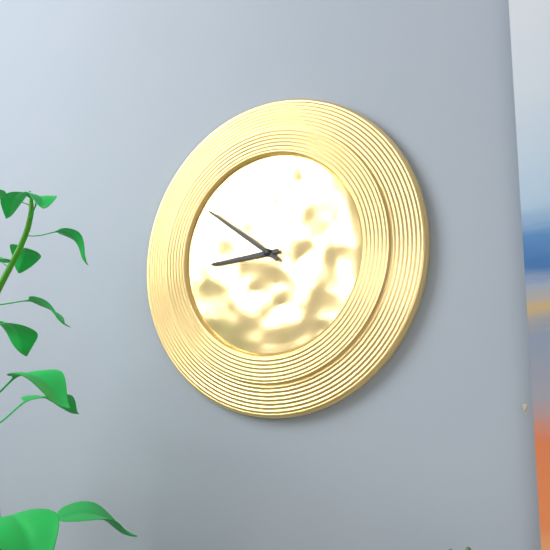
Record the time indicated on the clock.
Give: 8:51
